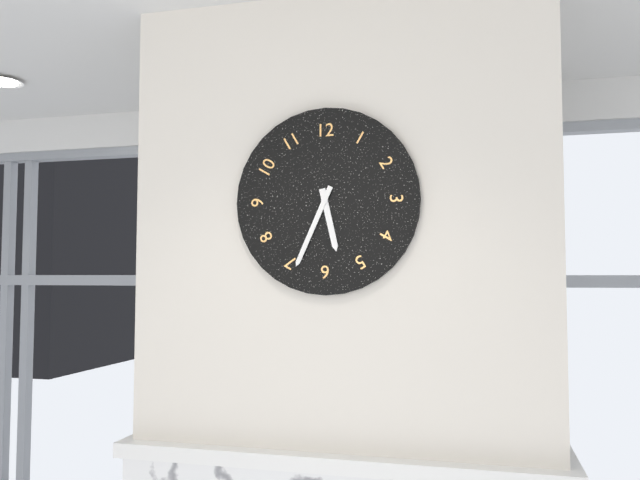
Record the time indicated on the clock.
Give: 5:34
